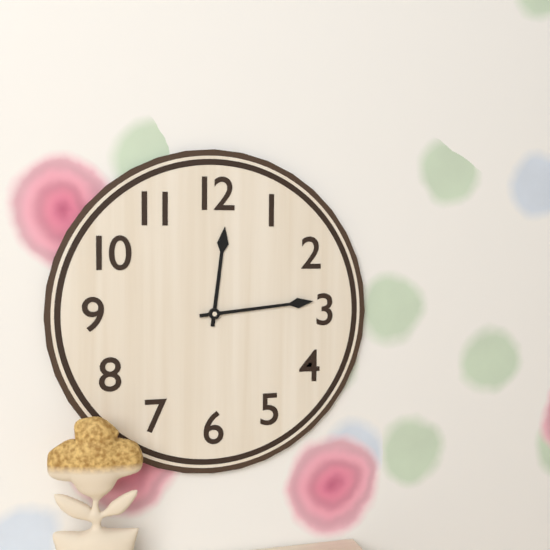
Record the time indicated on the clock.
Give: 12:14
